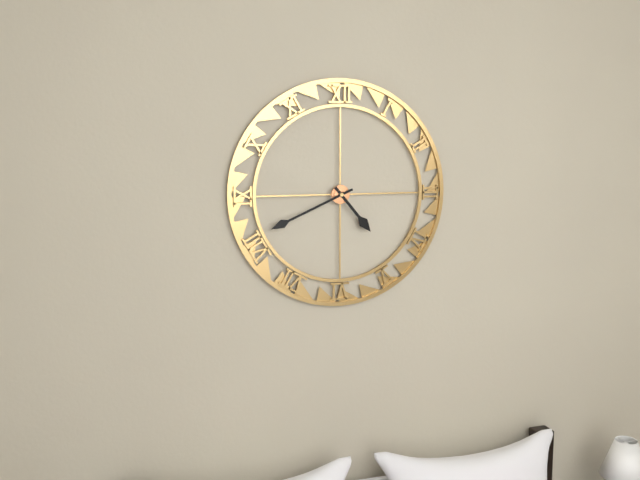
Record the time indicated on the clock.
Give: 4:41
